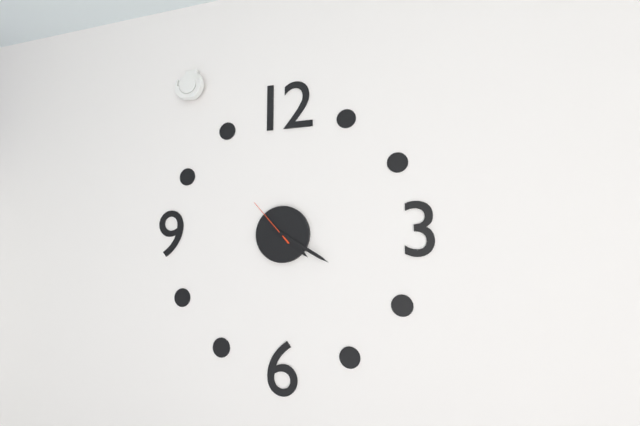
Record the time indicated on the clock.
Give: 4:20:53
